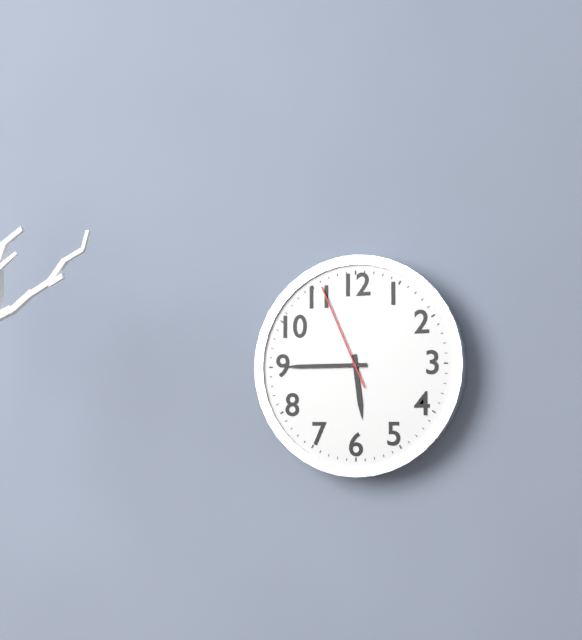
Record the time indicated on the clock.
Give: 5:45:56
